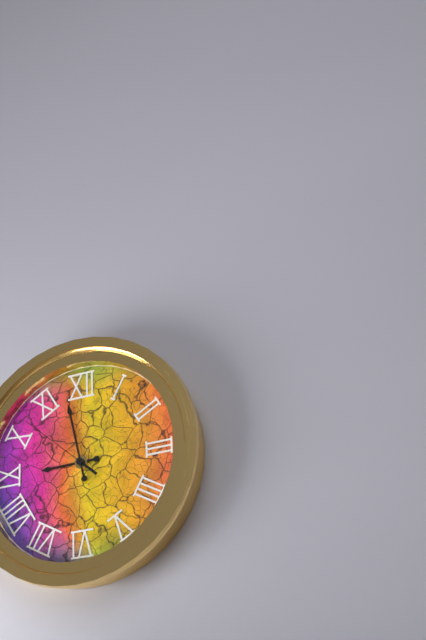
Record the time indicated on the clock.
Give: 8:58:52
